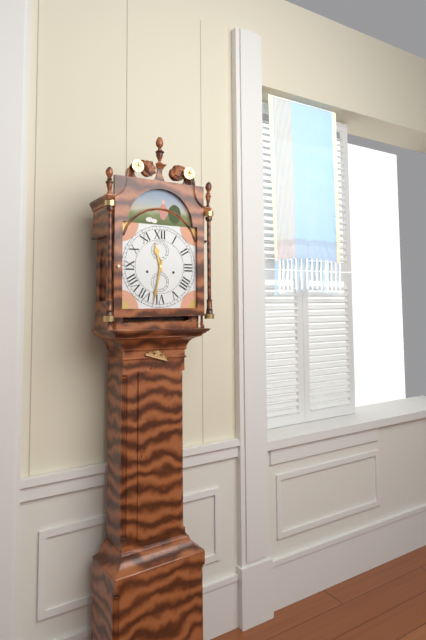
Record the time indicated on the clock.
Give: 11:32
